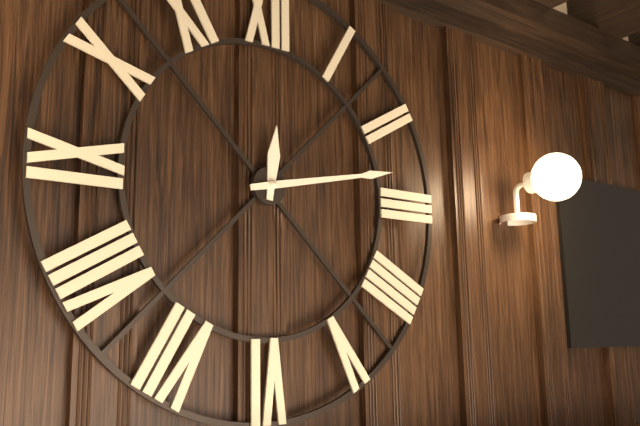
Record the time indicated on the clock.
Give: 12:13
